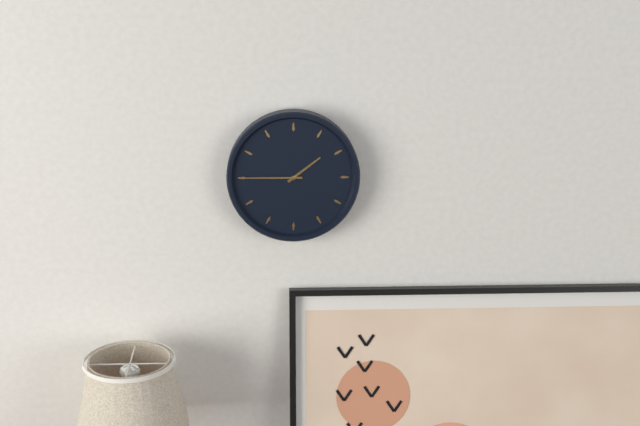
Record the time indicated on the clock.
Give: 1:45
